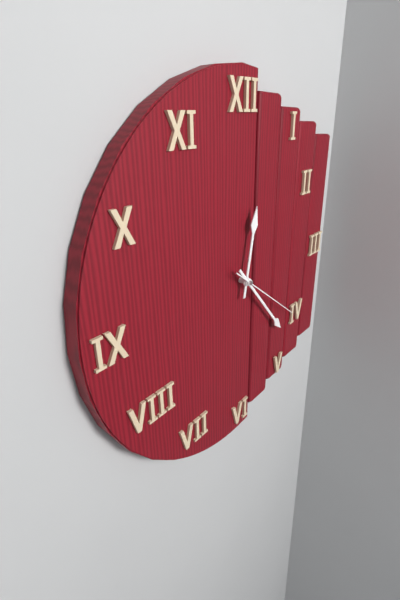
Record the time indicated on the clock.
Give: 12:23:21
